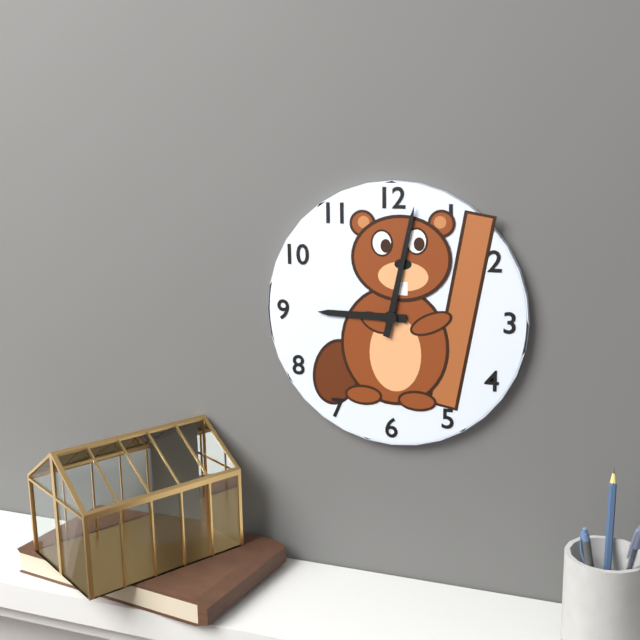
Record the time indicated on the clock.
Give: 9:02
